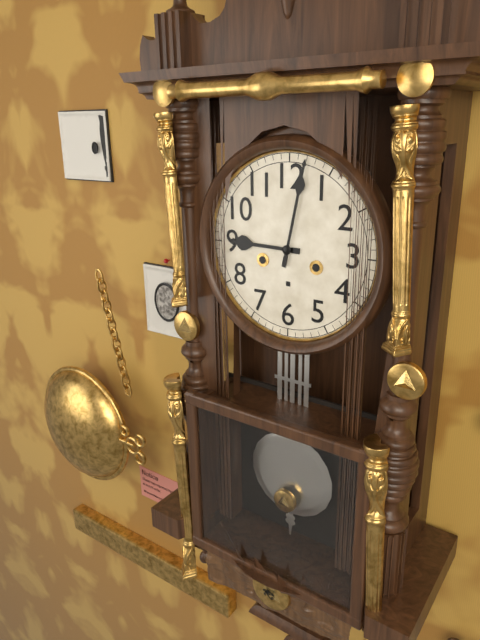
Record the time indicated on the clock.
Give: 9:02
